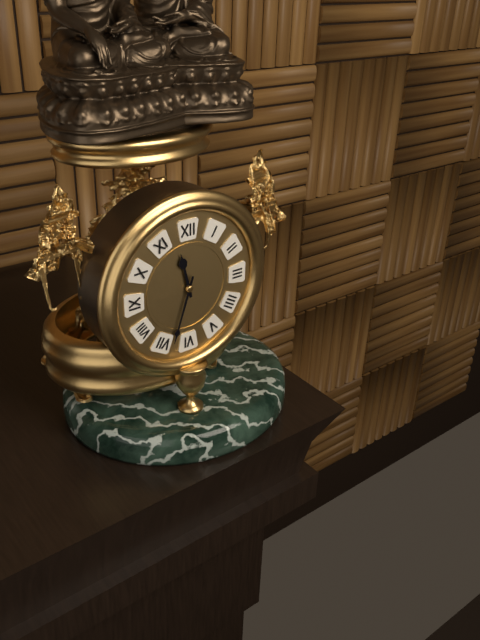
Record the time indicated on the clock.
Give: 11:33
